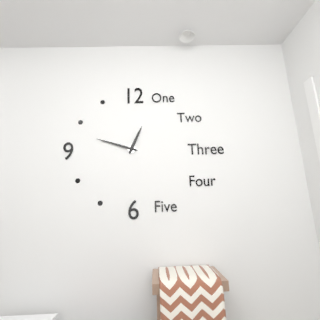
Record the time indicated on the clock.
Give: 12:48
